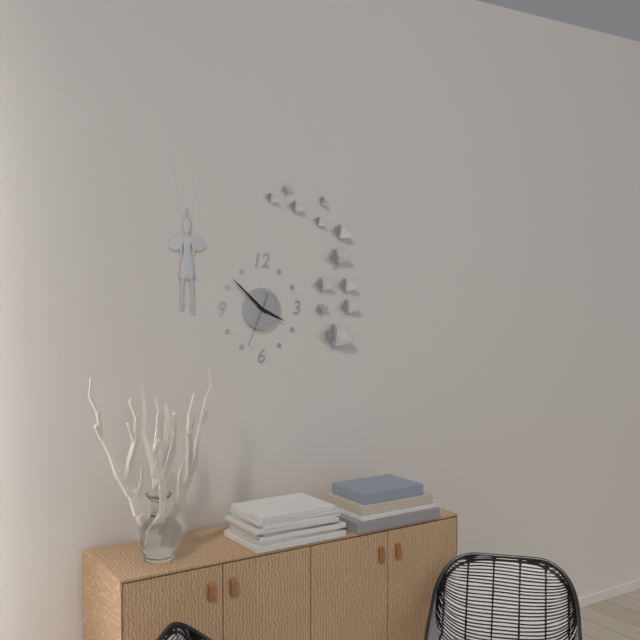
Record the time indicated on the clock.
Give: 3:52
